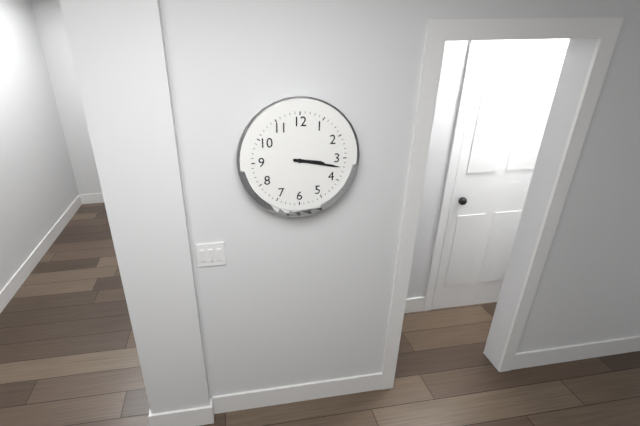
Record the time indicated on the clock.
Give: 3:17
